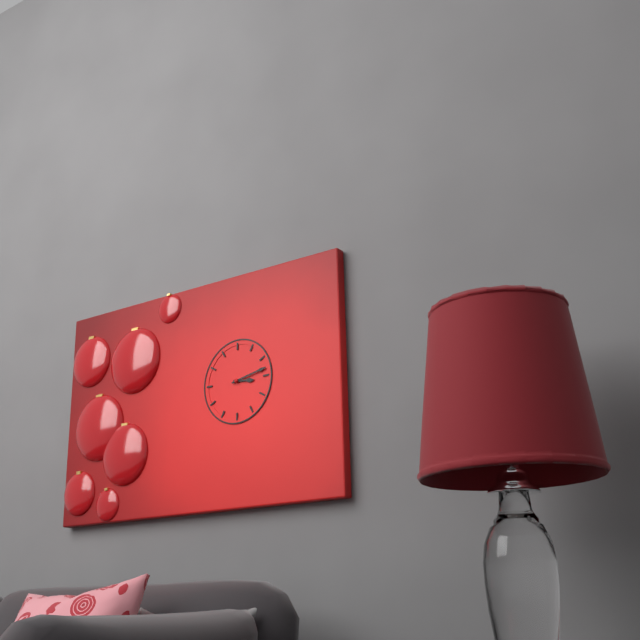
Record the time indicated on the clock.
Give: 3:13
